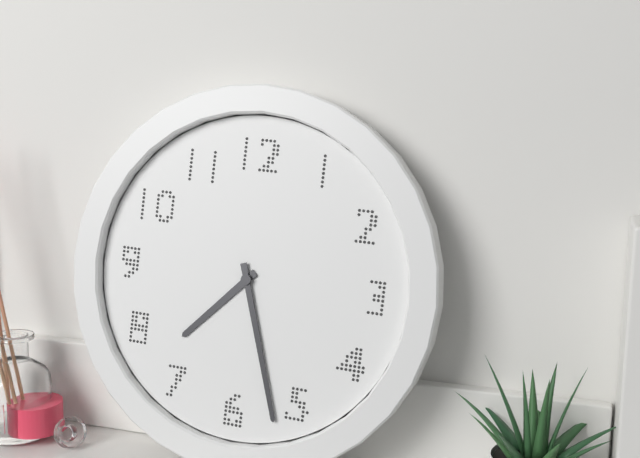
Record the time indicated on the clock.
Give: 7:27
